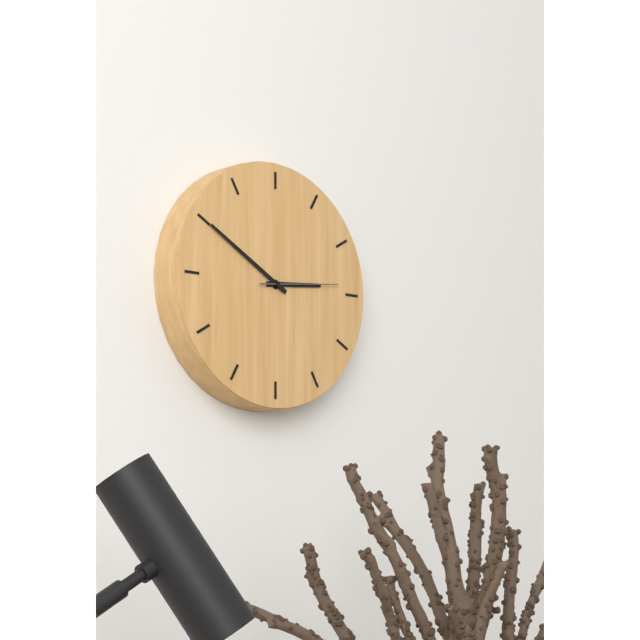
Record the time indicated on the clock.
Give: 2:50:14
